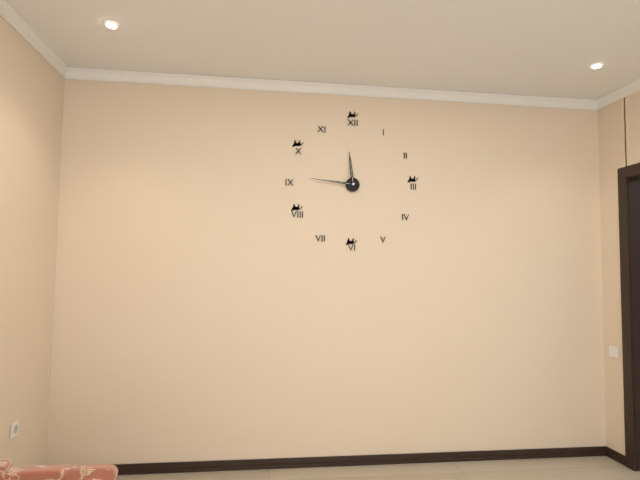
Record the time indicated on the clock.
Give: 11:46
